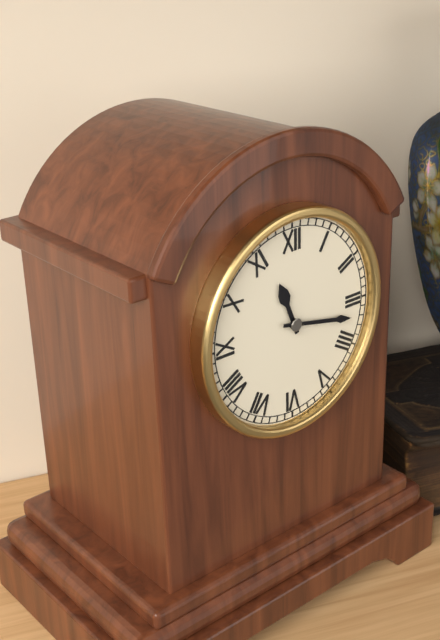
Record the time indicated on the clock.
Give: 11:17
